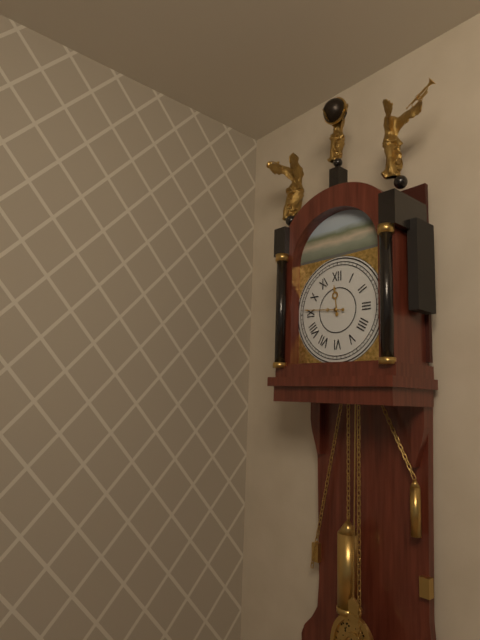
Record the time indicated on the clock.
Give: 11:46
